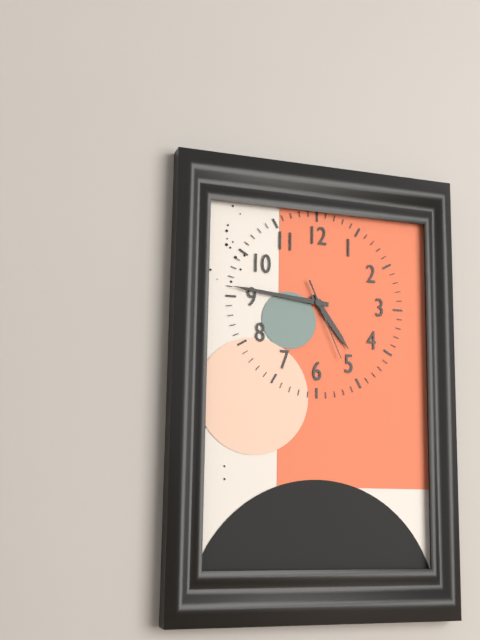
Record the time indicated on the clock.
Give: 4:46:26
